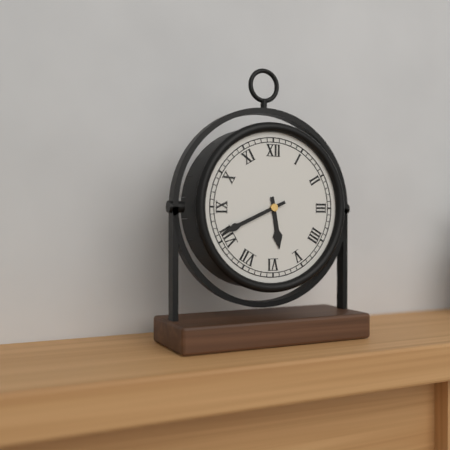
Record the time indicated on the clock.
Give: 5:41
